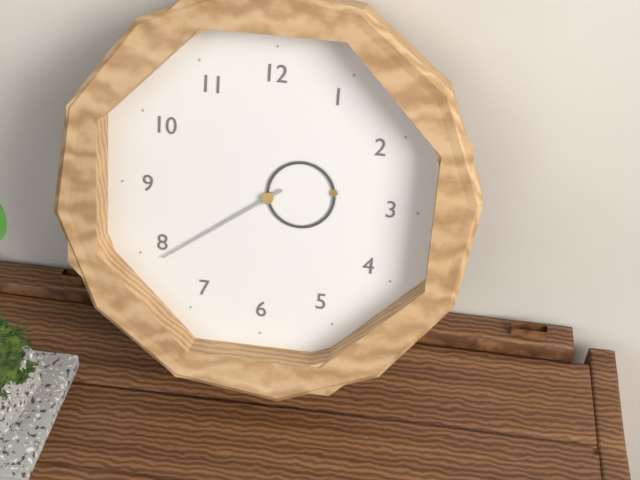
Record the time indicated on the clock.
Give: 2:39
